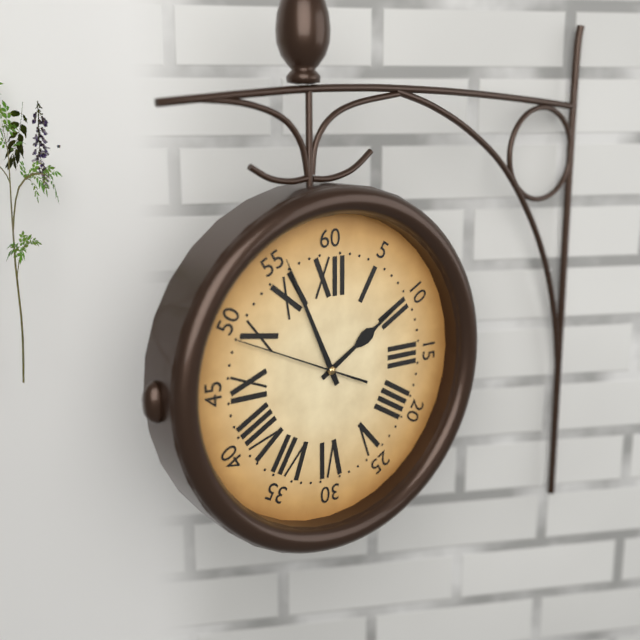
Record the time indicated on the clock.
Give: 1:56:49
